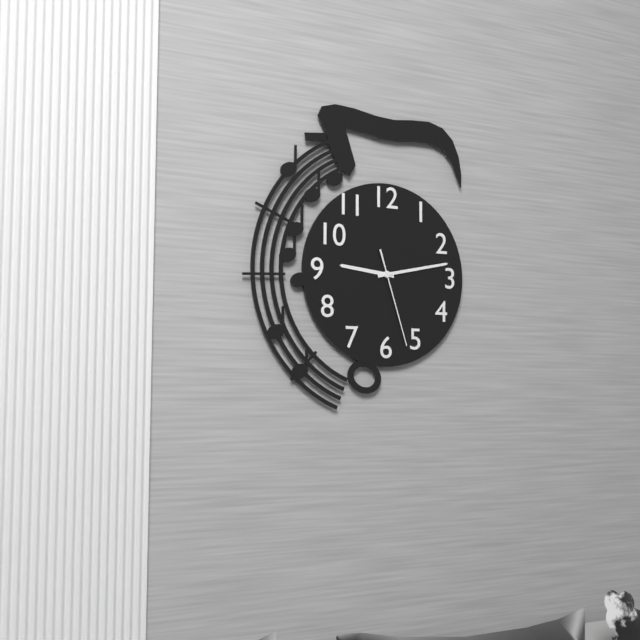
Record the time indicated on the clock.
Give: 9:13:27
